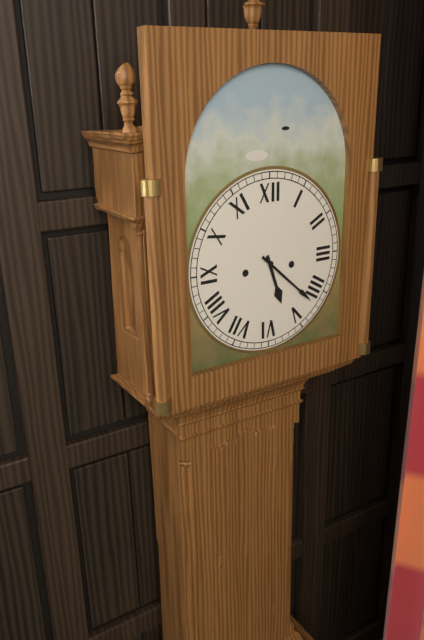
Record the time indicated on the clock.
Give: 5:22
